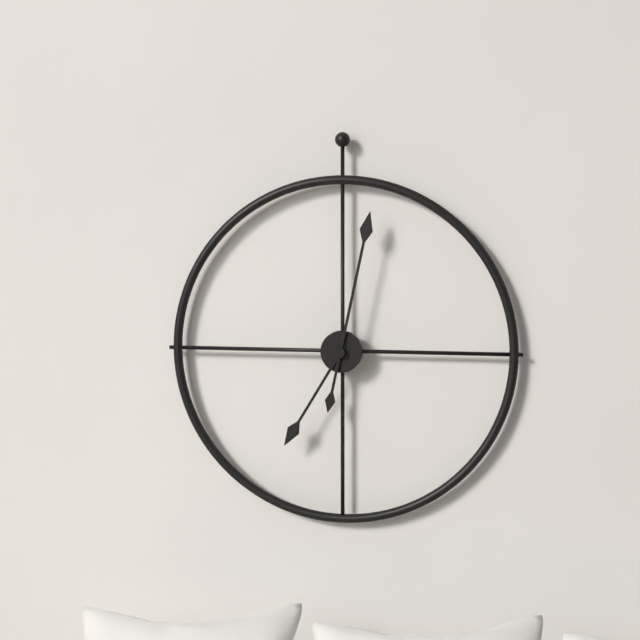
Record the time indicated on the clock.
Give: 7:02
